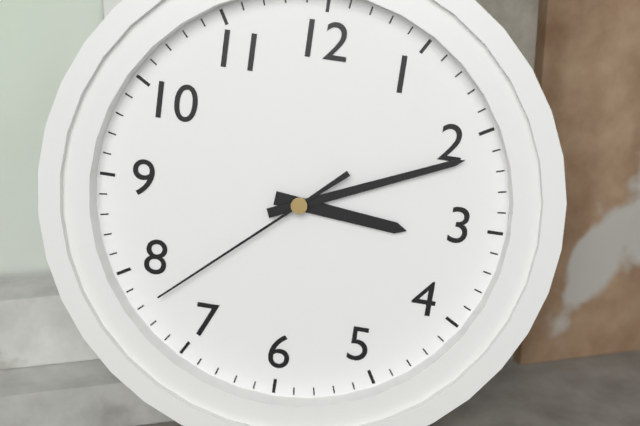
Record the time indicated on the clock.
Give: 3:11:38
